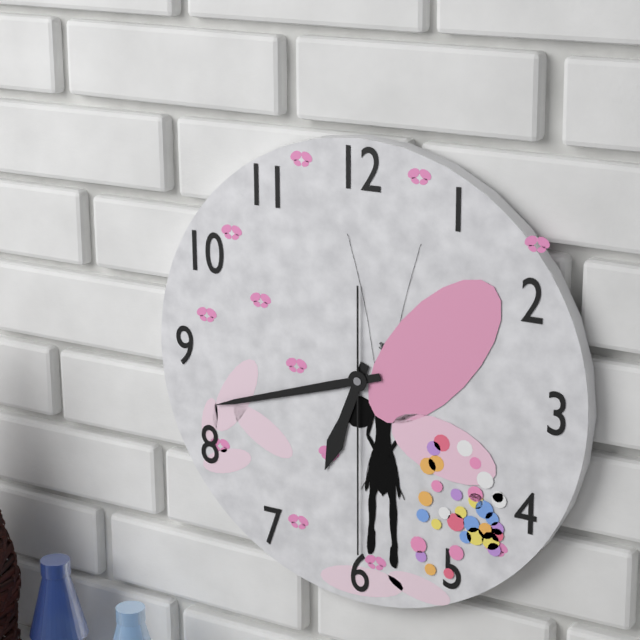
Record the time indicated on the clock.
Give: 6:42:30
